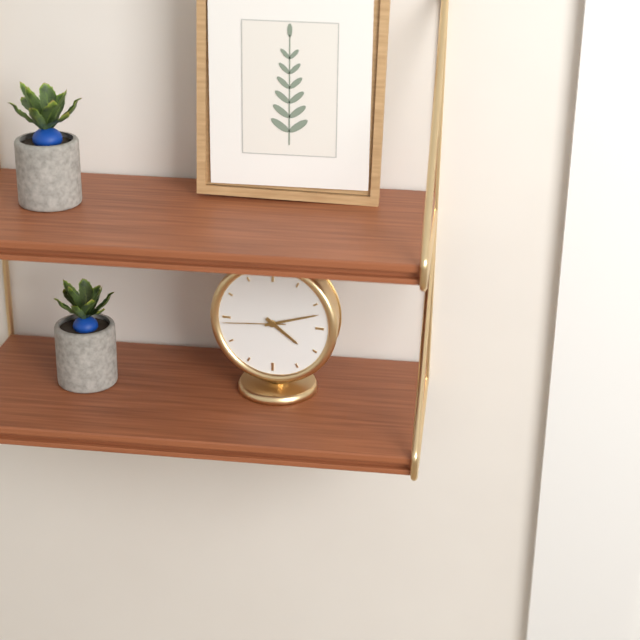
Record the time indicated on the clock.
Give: 4:12:44
